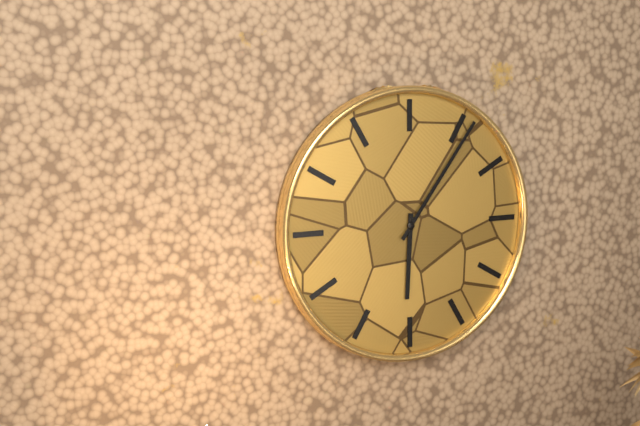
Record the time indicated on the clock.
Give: 6:06
